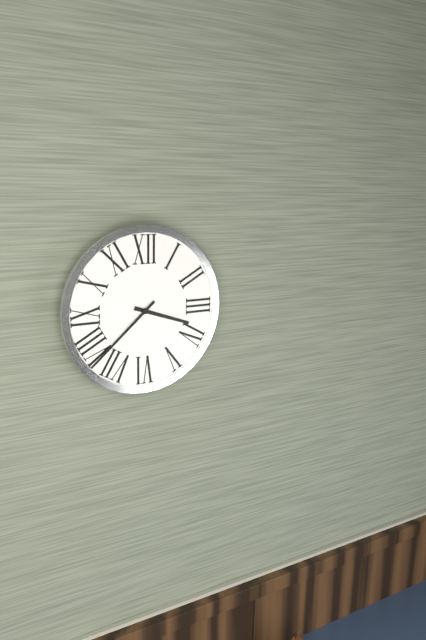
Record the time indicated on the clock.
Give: 3:38
